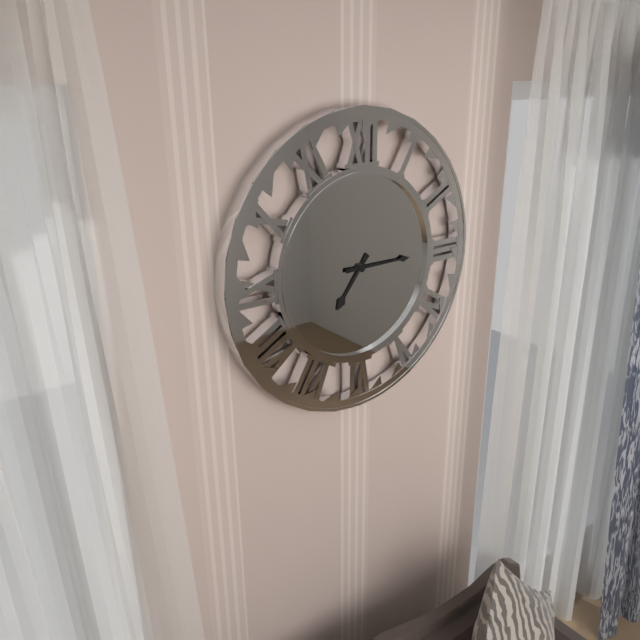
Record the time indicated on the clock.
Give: 7:15
